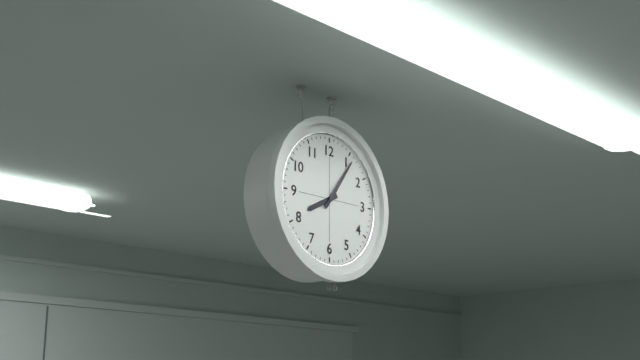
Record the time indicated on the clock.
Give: 8:06
